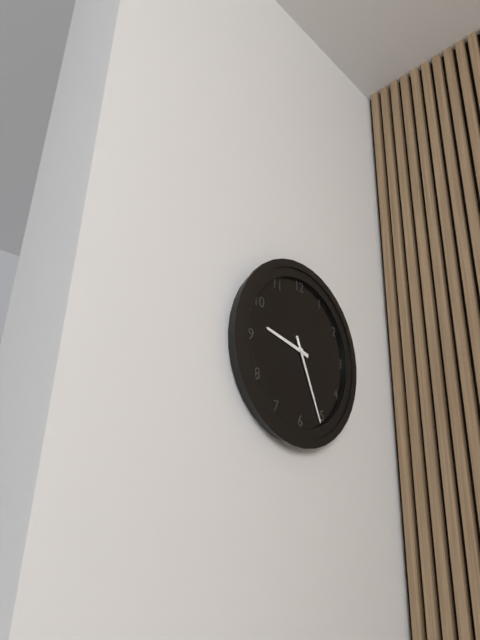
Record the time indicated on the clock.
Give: 9:26
